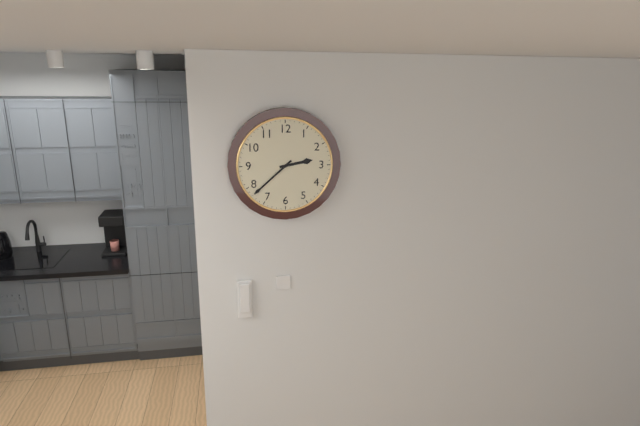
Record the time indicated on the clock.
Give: 2:38
